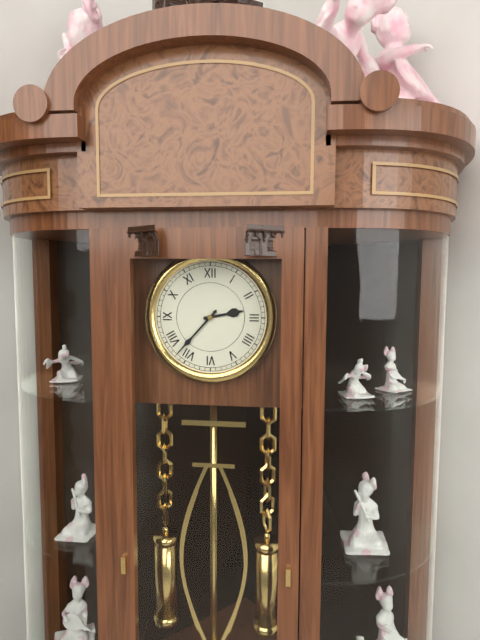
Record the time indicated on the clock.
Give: 2:37
